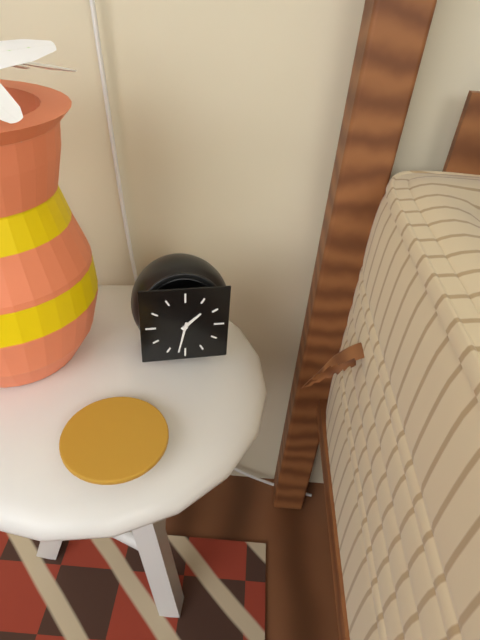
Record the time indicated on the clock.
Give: 1:32
